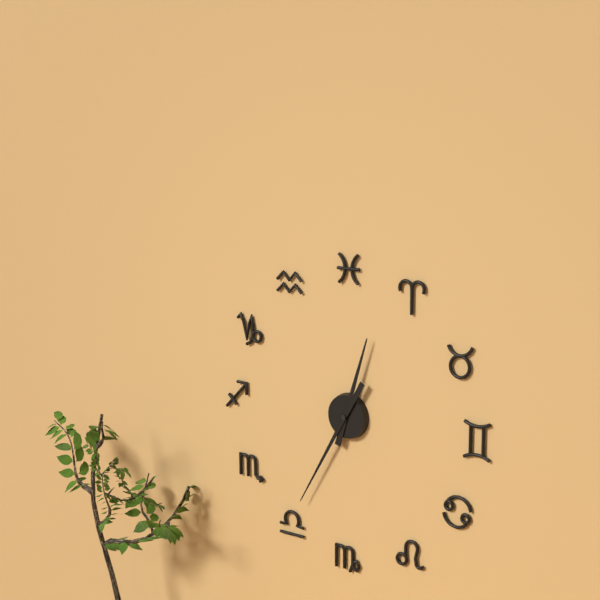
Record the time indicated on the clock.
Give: 12:35
